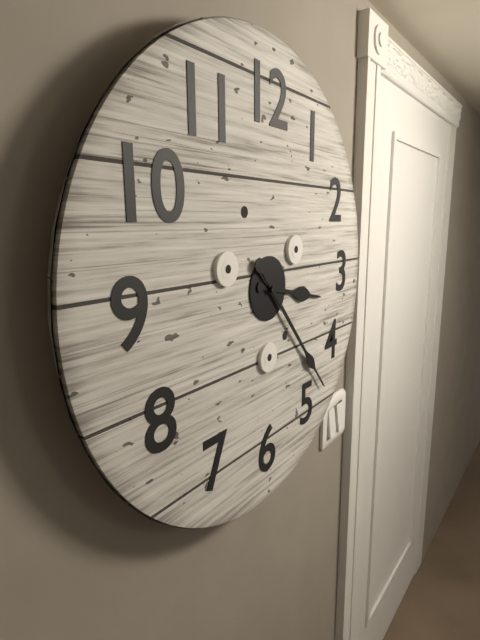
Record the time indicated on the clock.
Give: 3:23
